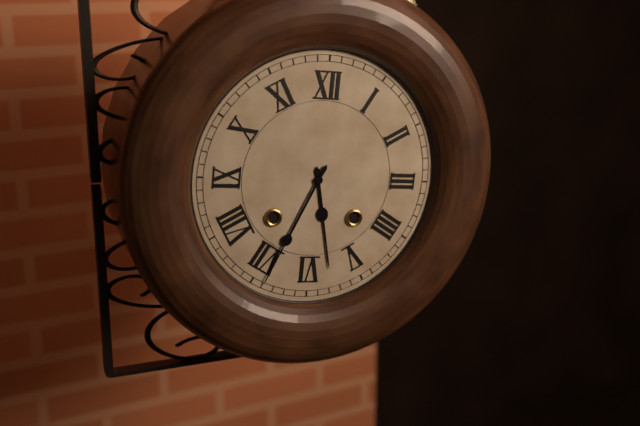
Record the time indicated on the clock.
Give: 5:34
